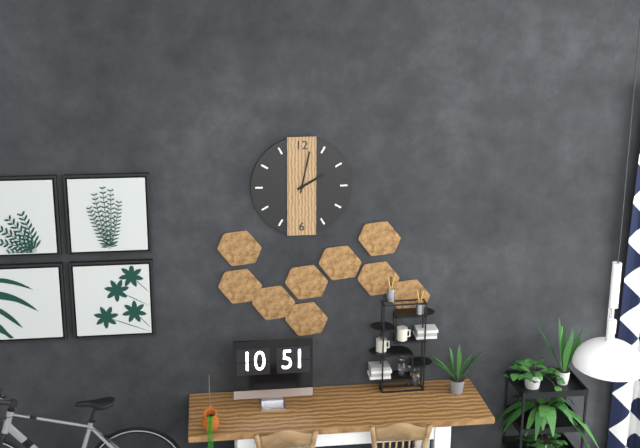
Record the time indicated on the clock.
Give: 2:02
